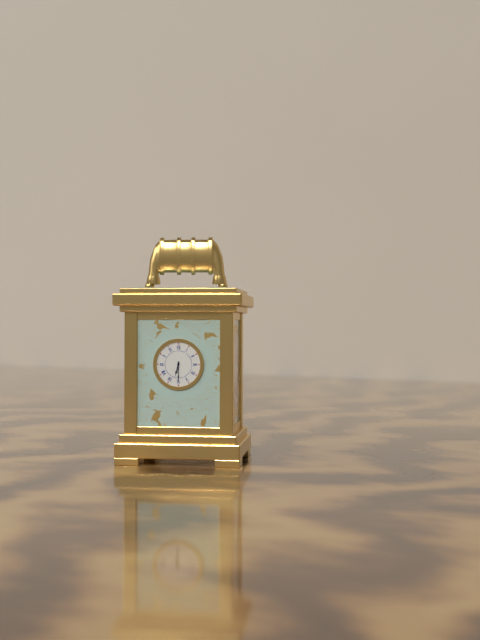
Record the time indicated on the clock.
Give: 6:30
